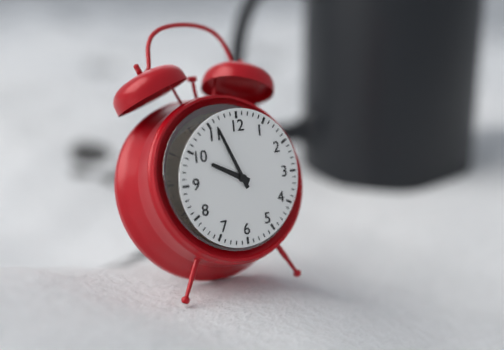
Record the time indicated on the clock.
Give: 9:56
